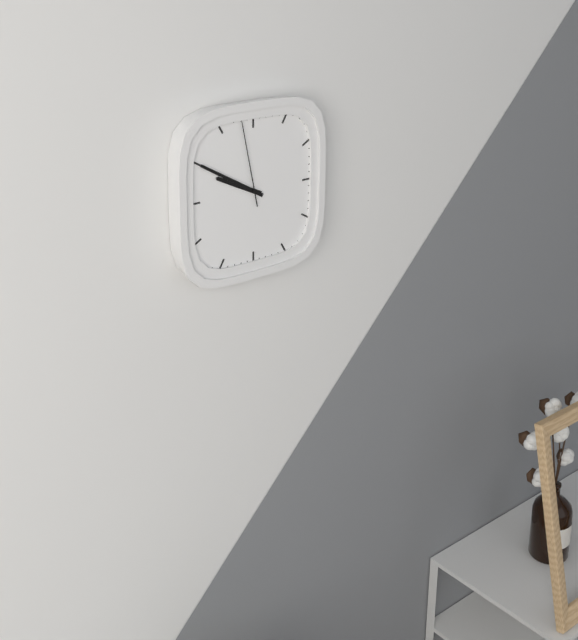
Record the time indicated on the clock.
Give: 9:50:58
